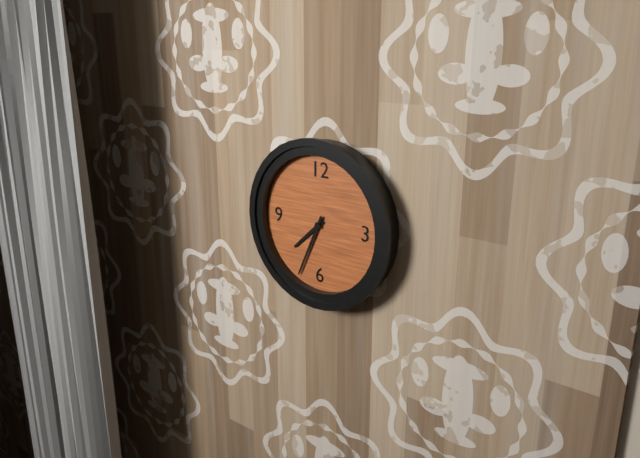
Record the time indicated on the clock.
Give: 7:34
